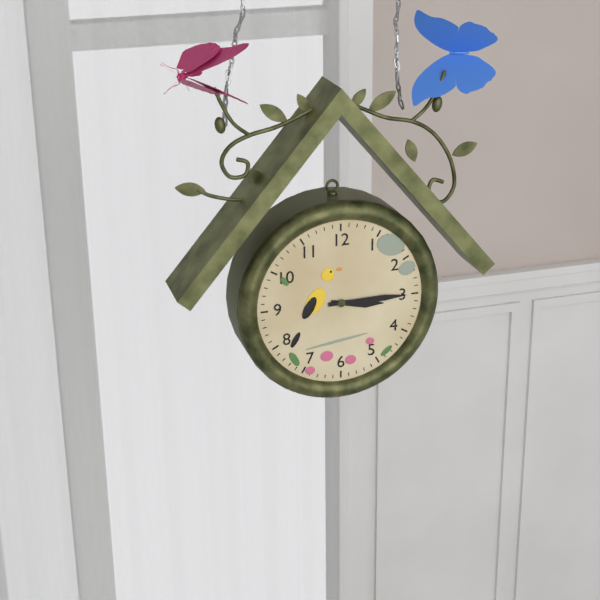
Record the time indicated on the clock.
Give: 3:15
